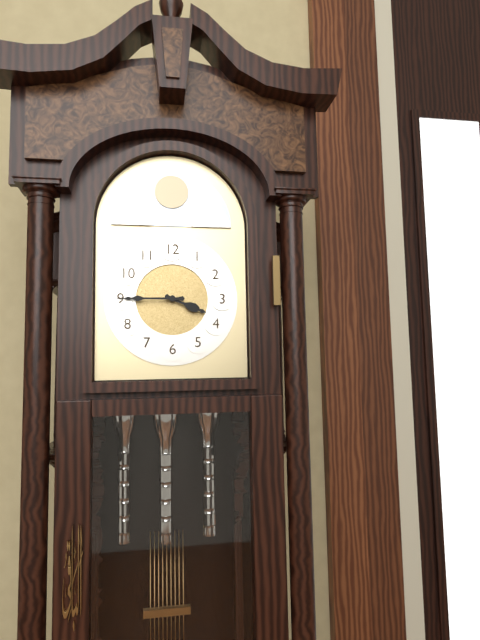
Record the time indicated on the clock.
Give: 3:45
